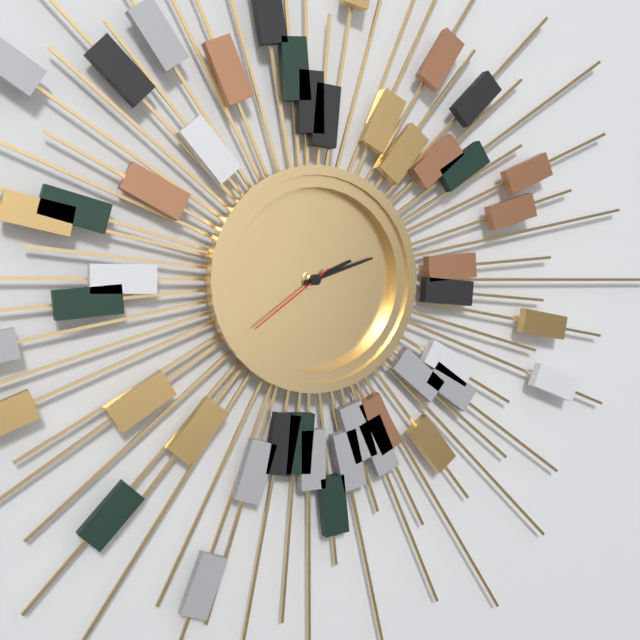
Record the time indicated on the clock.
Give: 2:12:39
